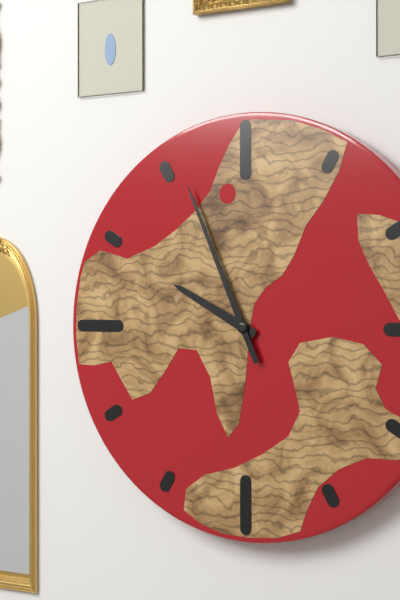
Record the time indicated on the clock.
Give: 9:56
